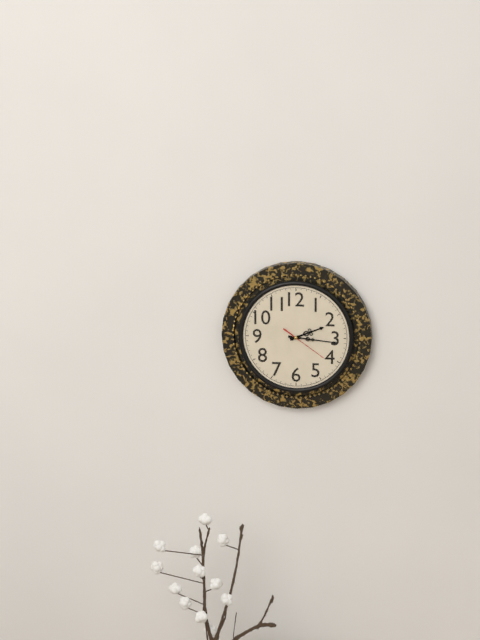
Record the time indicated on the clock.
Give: 2:16
